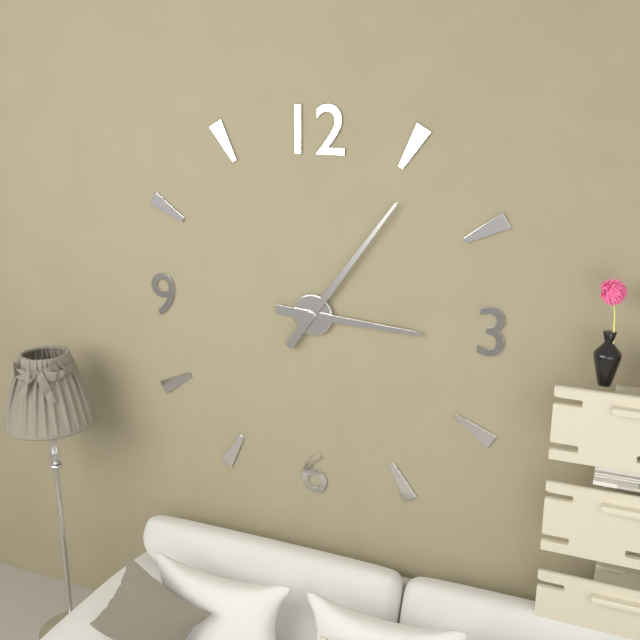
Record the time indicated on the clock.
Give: 3:06
